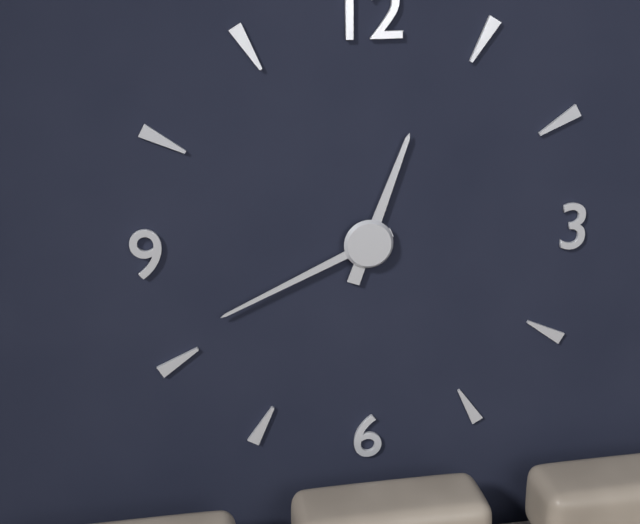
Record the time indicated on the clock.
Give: 12:41
